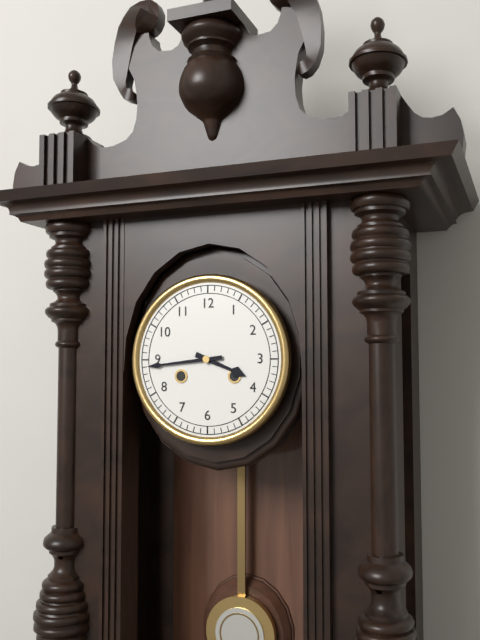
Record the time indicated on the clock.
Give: 3:44
